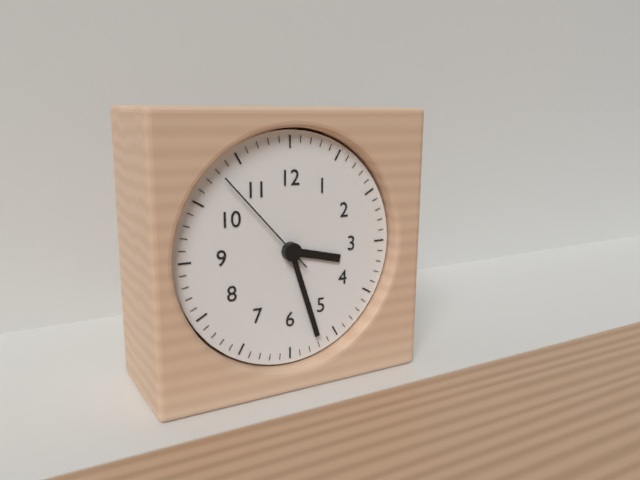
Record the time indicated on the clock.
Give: 3:27:53
